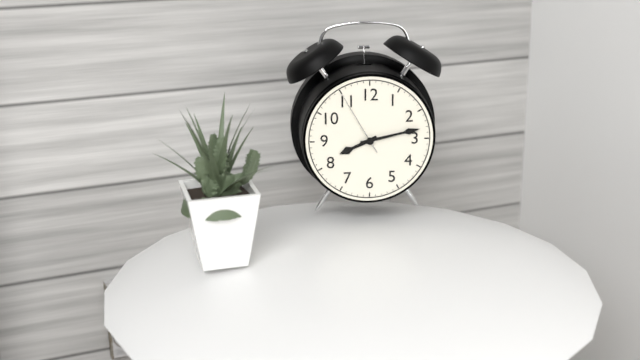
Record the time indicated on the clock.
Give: 8:13:55
